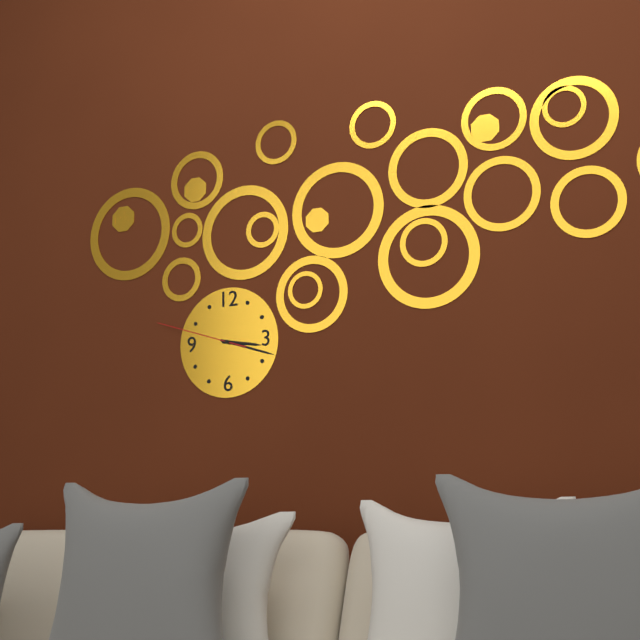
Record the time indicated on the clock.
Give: 3:18:48
